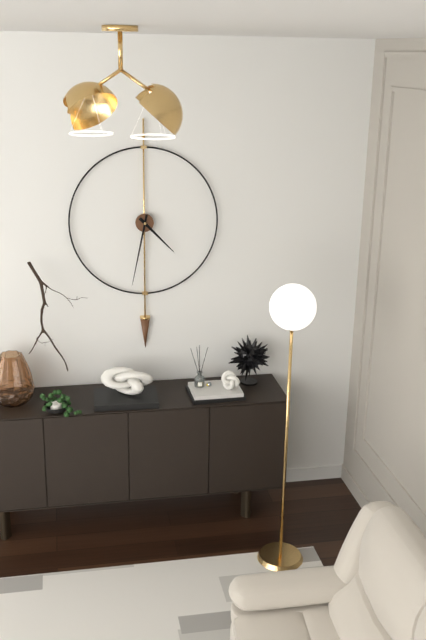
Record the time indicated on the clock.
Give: 4:32
